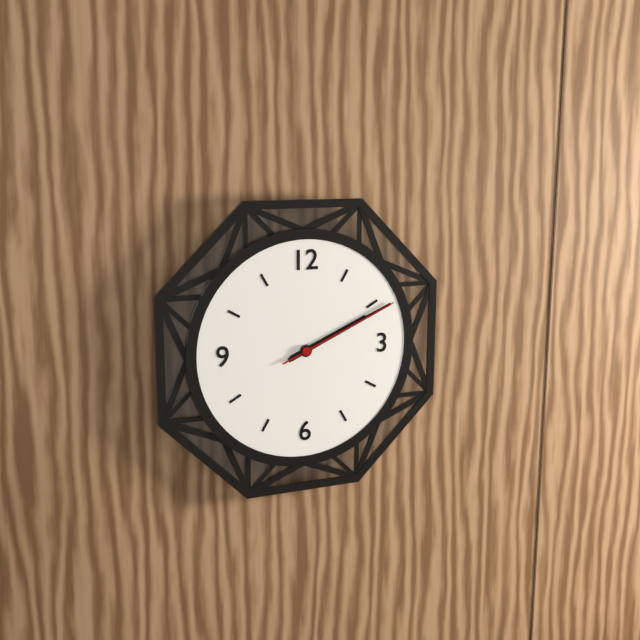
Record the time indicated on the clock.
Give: 2:11:11
